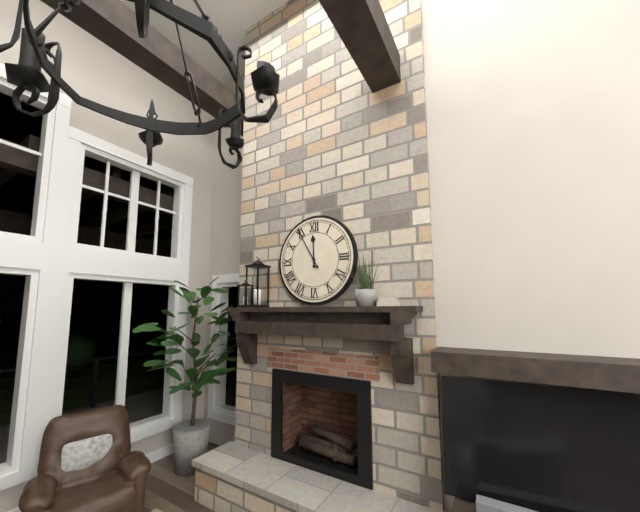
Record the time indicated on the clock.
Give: 11:55
